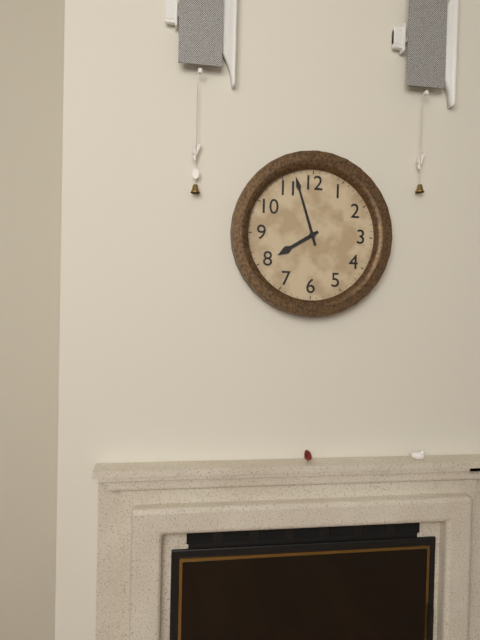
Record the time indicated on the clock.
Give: 7:57
